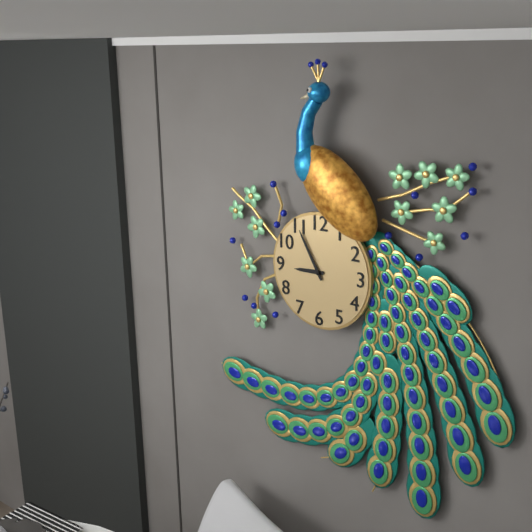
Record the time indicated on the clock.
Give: 8:55
